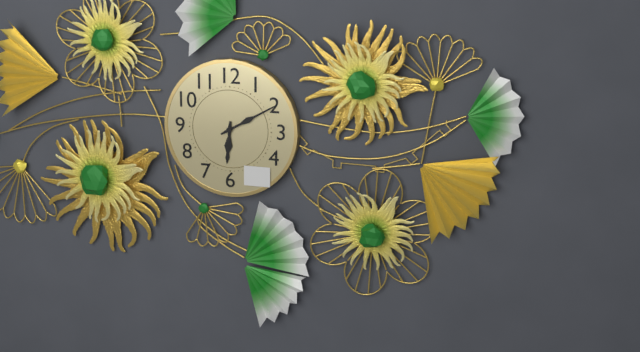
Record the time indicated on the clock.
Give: 6:10
